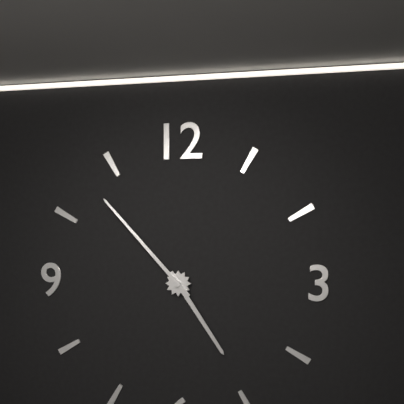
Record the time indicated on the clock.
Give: 4:53
